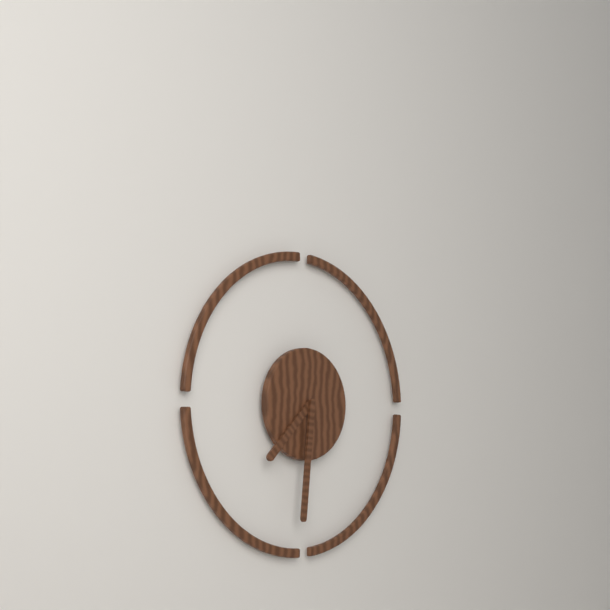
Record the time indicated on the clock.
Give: 7:31
